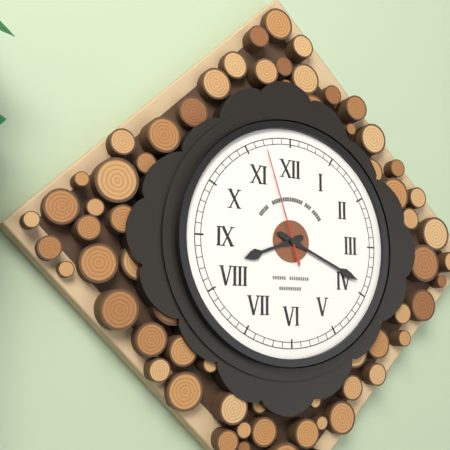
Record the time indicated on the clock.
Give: 8:19:57
